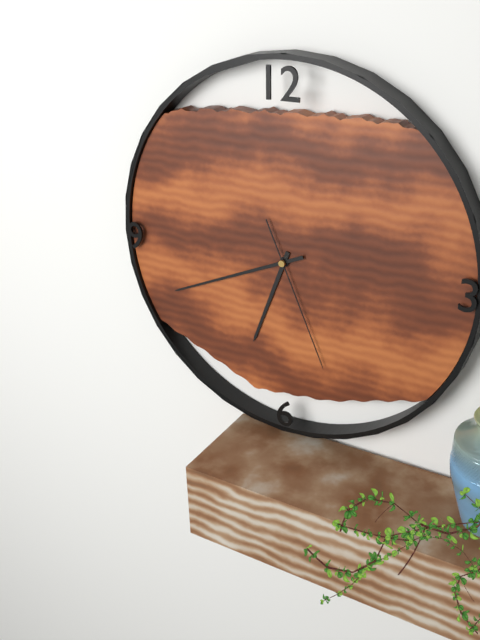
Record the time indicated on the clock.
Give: 6:41:26
